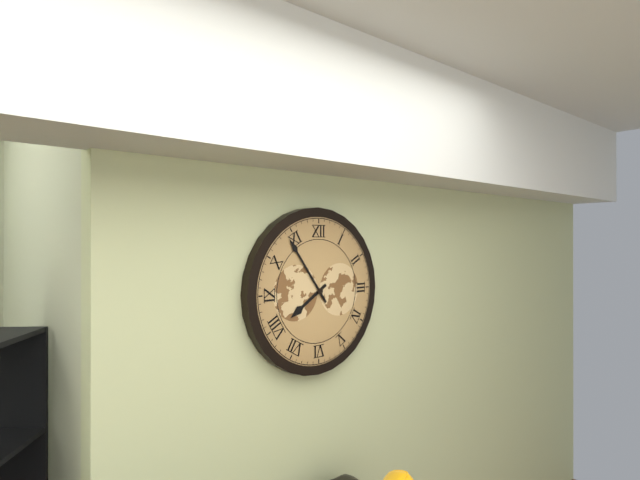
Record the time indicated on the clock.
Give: 7:54
